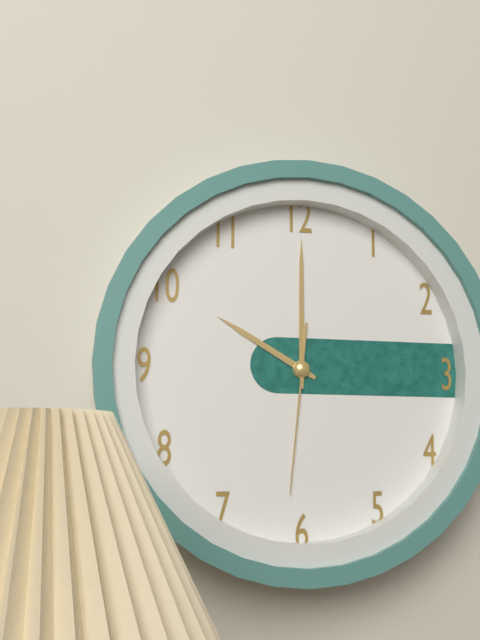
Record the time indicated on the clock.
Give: 10:00:31
